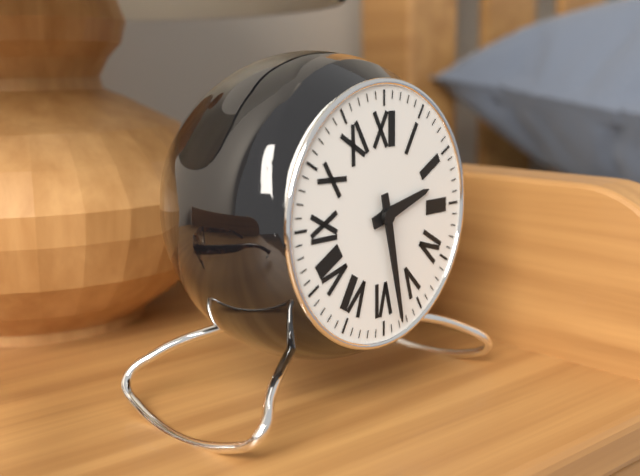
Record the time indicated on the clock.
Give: 2:28
